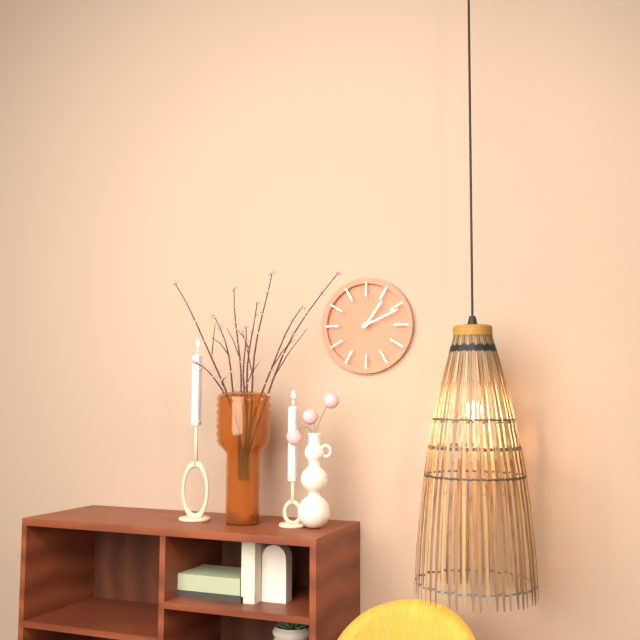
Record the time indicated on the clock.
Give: 1:11
